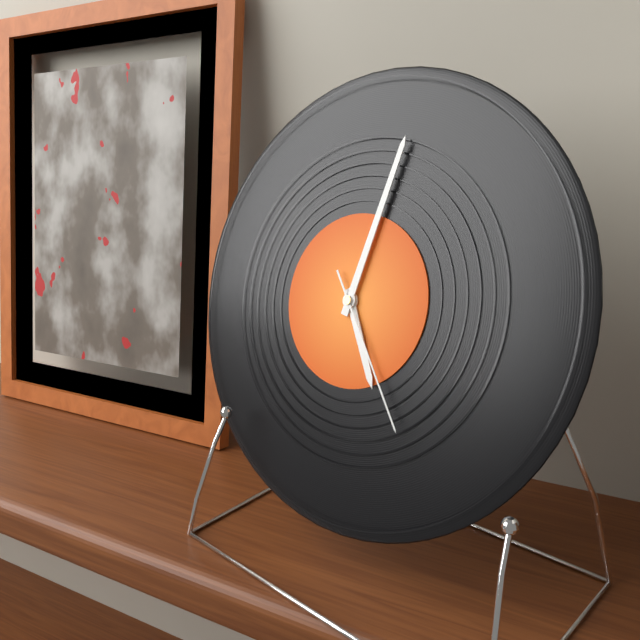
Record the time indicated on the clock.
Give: 5:02:24
